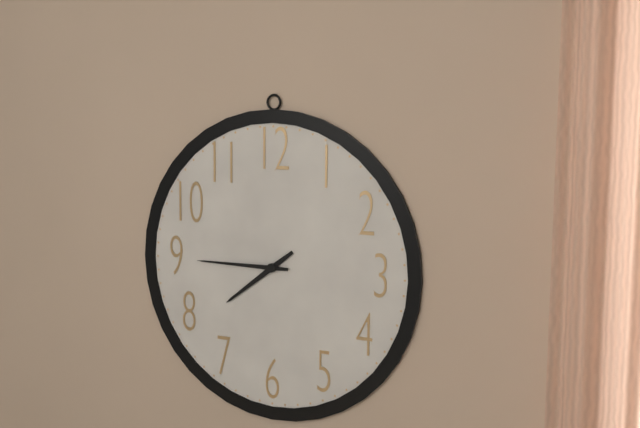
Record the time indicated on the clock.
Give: 7:45
